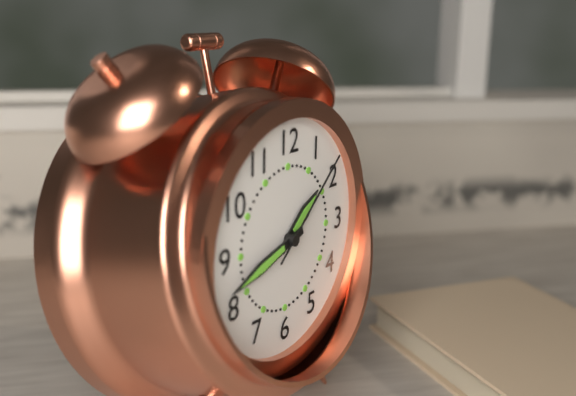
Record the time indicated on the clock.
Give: 1:42:08
